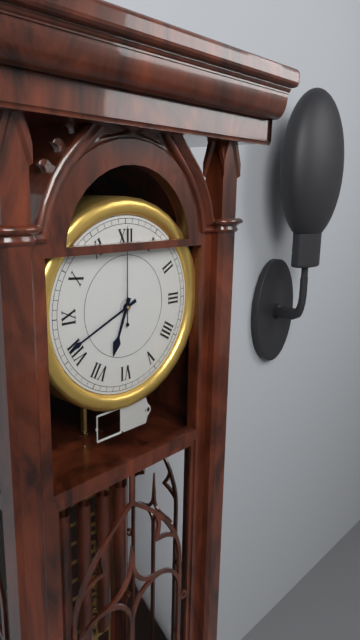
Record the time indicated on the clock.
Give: 6:41:00
